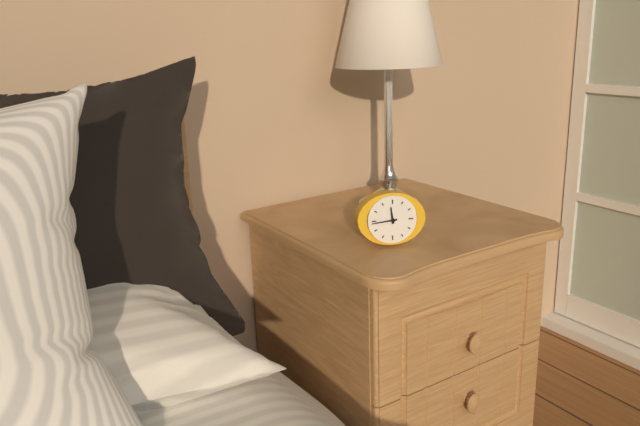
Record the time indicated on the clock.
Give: 11:44
